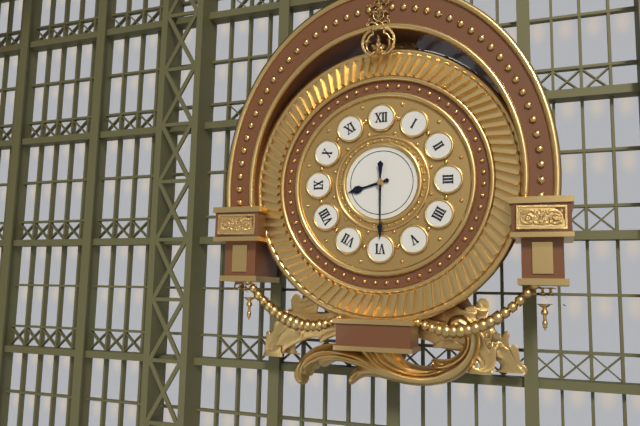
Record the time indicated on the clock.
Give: 8:30
